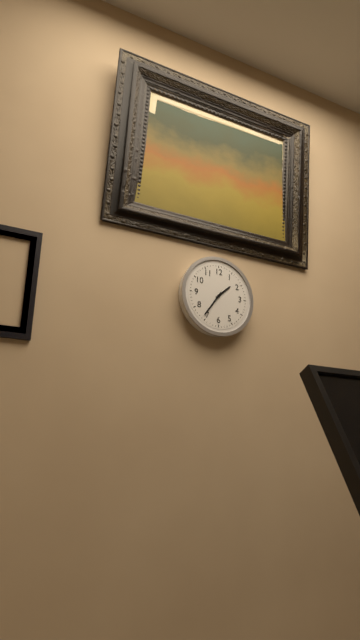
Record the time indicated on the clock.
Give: 1:36
